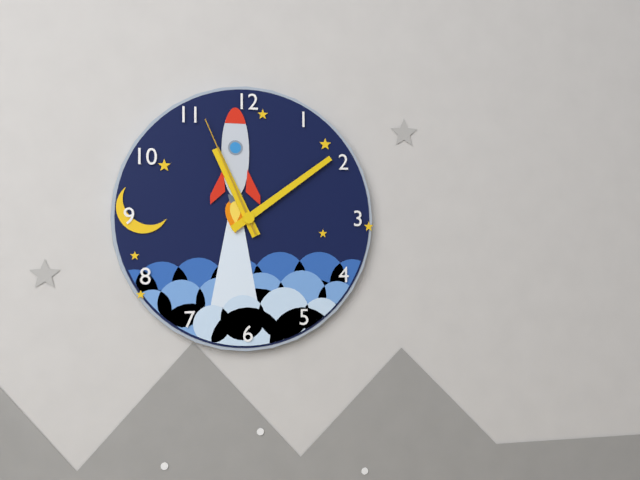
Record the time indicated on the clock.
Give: 11:09:56
